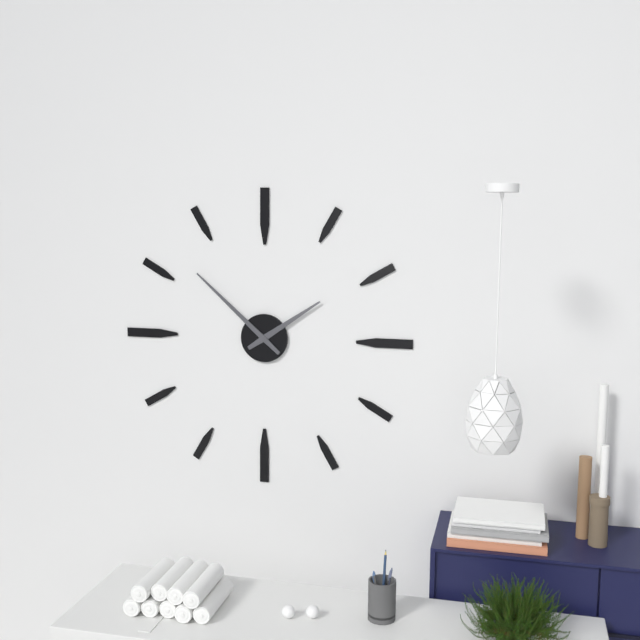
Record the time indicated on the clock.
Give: 1:52
